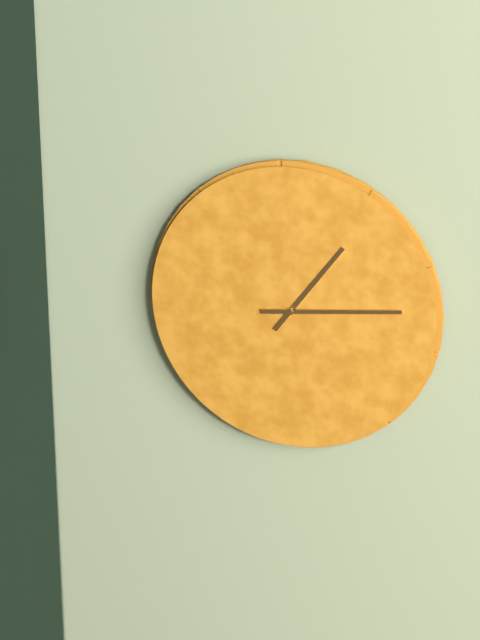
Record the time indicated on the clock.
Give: 1:14
